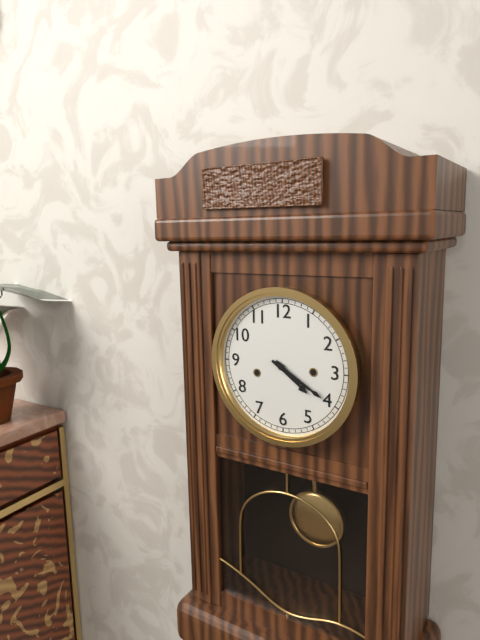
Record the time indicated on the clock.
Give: 4:20
